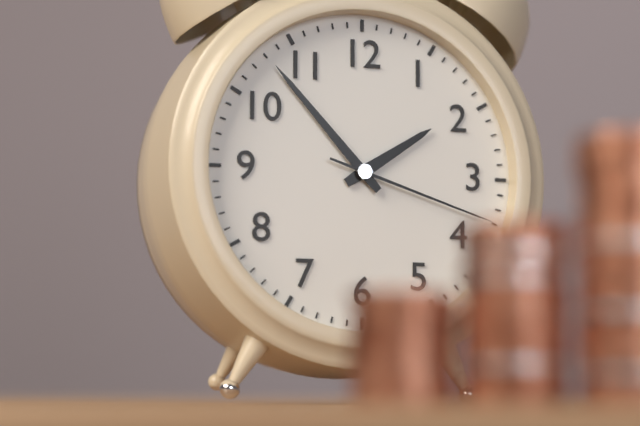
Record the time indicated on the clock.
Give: 1:53:18
